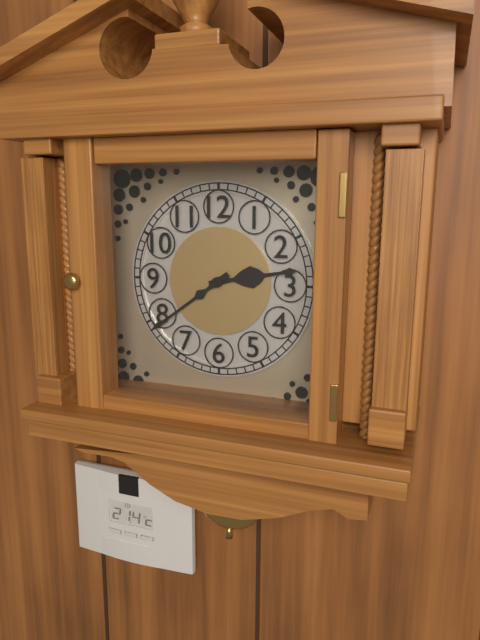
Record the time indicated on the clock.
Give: 2:39
